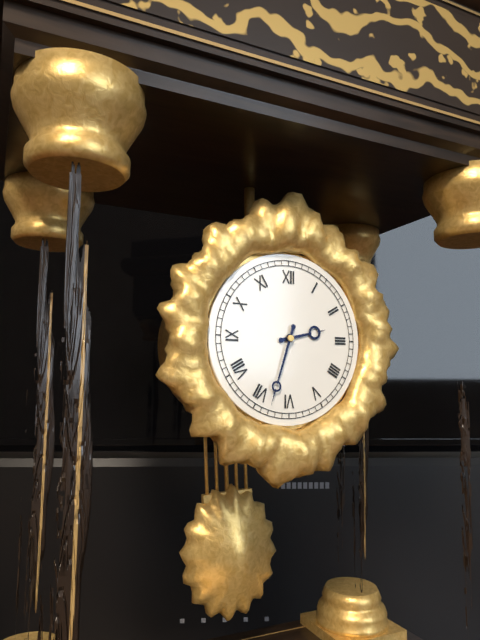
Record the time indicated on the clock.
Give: 2:33
